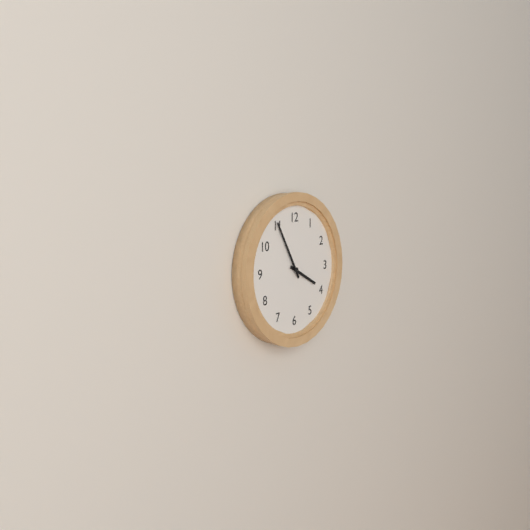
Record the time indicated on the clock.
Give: 3:55
